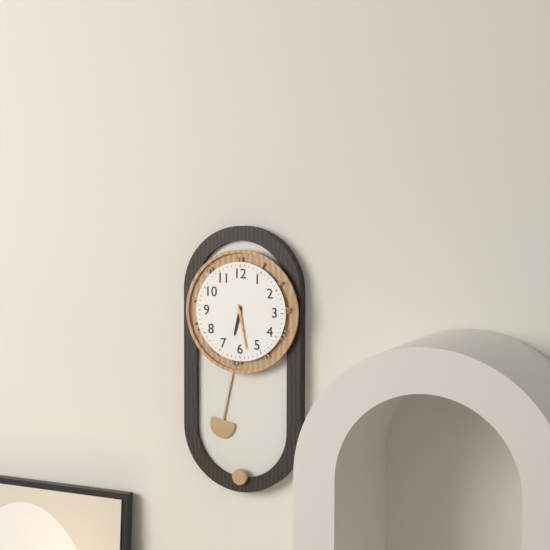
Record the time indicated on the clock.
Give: 6:28
